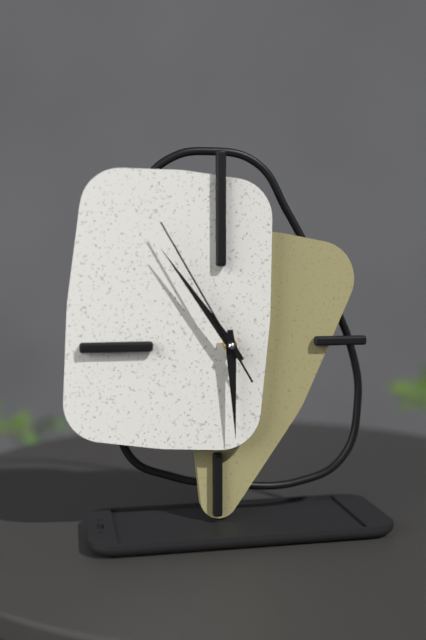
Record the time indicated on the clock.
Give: 5:54:55
